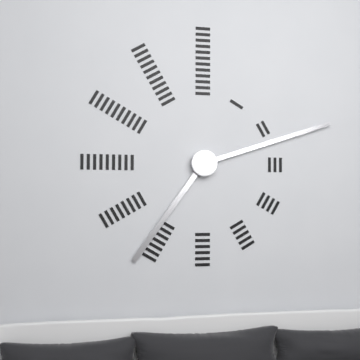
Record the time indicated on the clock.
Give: 7:12
